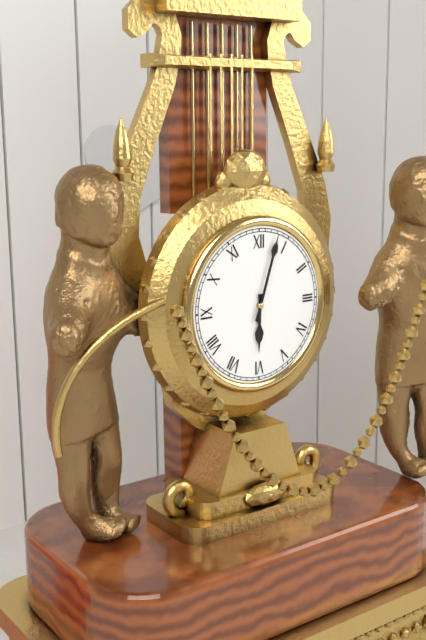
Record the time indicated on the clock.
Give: 6:03
